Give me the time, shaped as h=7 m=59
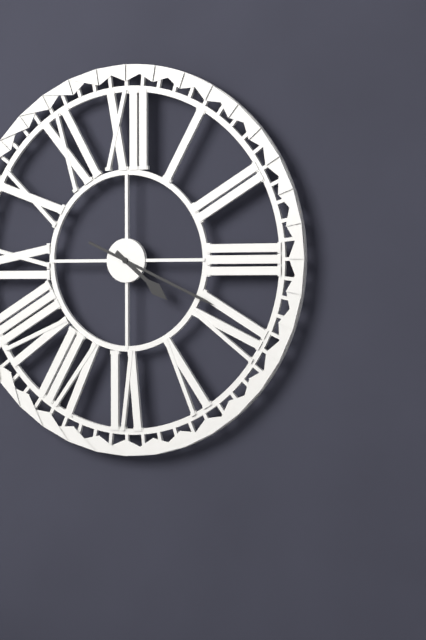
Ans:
h=4 m=19
